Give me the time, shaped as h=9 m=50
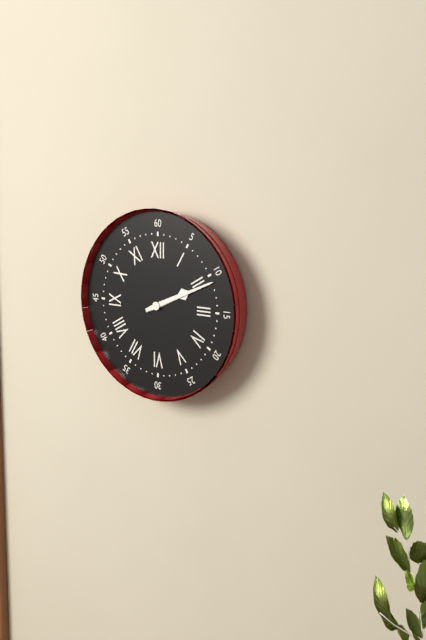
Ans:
h=2 m=11
